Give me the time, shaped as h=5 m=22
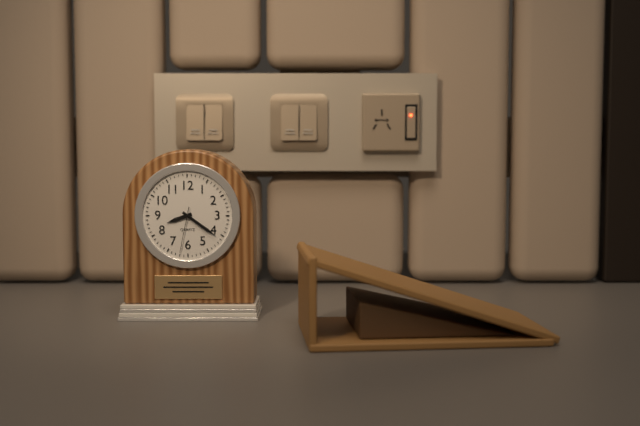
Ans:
h=8 m=21
